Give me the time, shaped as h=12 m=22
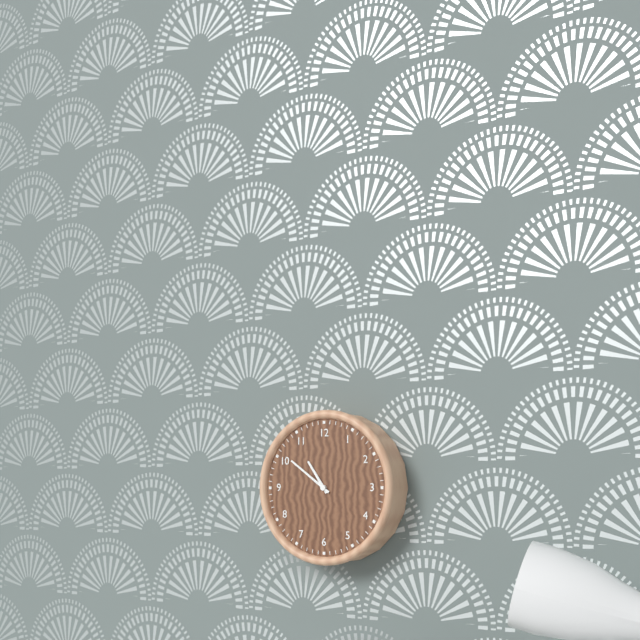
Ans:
h=10 m=51
